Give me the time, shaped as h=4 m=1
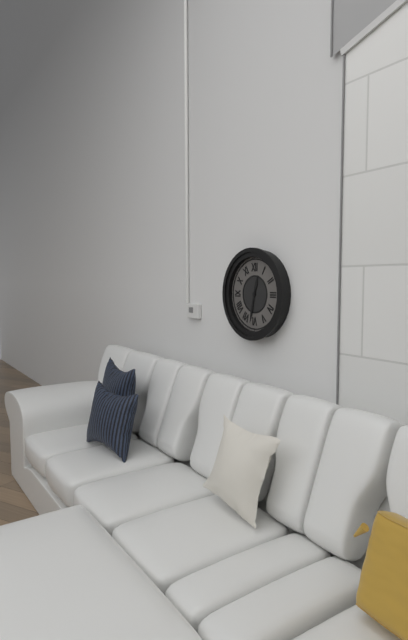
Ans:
h=12 m=32
